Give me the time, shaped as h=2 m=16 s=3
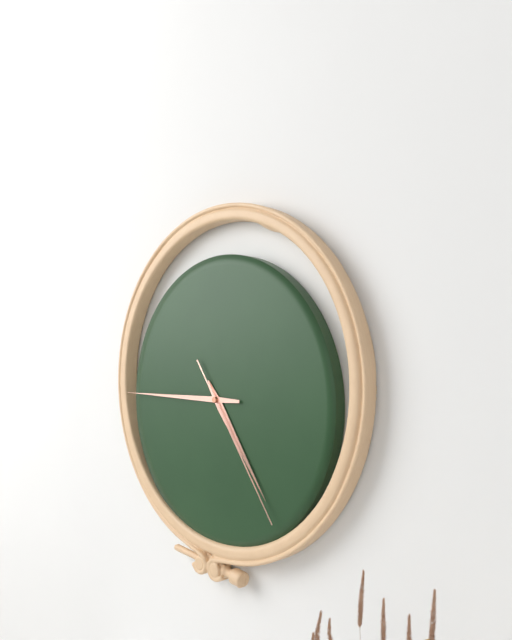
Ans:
h=4 m=45 s=24
